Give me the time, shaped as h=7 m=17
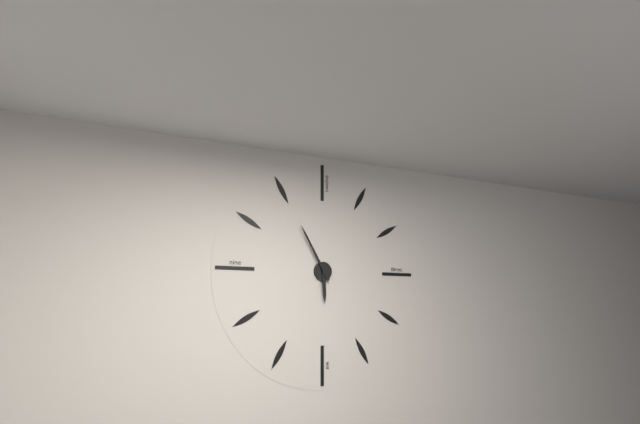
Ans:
h=5 m=55
